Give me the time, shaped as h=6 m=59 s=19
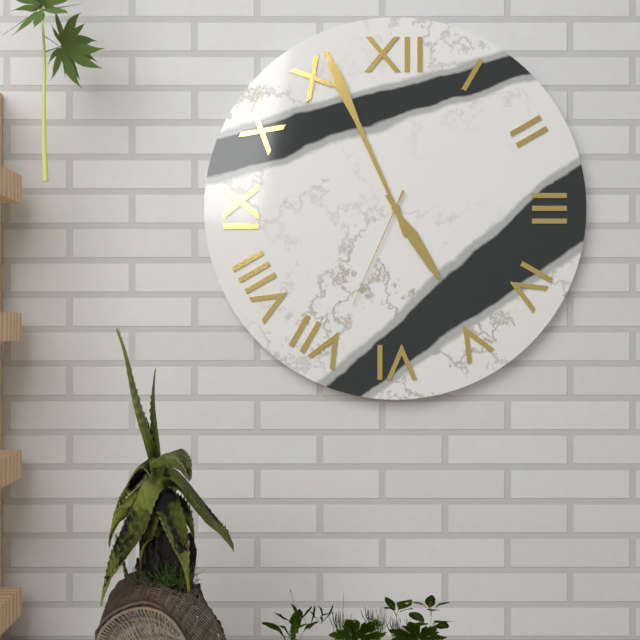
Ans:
h=4 m=56 s=34
